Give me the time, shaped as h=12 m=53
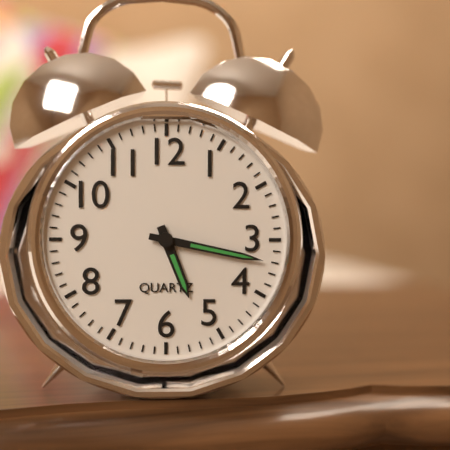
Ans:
h=5 m=17
